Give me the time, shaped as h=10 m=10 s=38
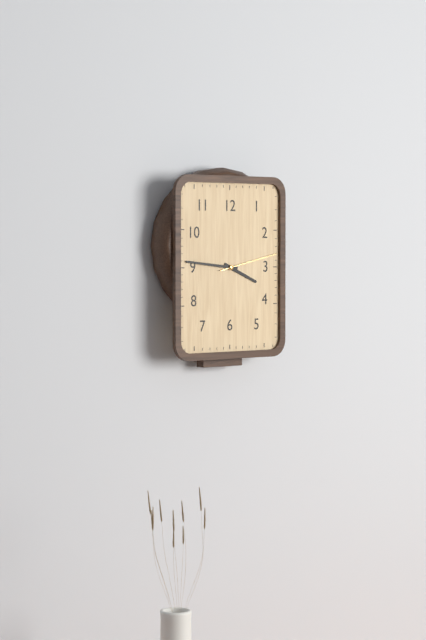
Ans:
h=3 m=46 s=13
